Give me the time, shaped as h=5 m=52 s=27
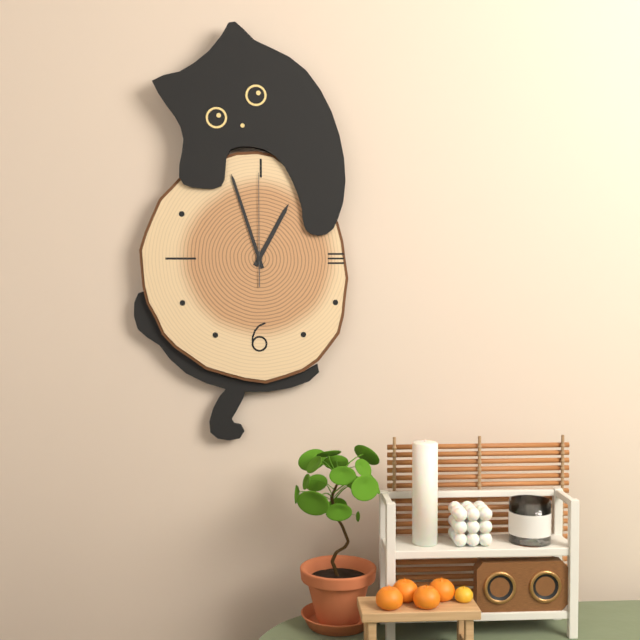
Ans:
h=12 m=57 s=0
